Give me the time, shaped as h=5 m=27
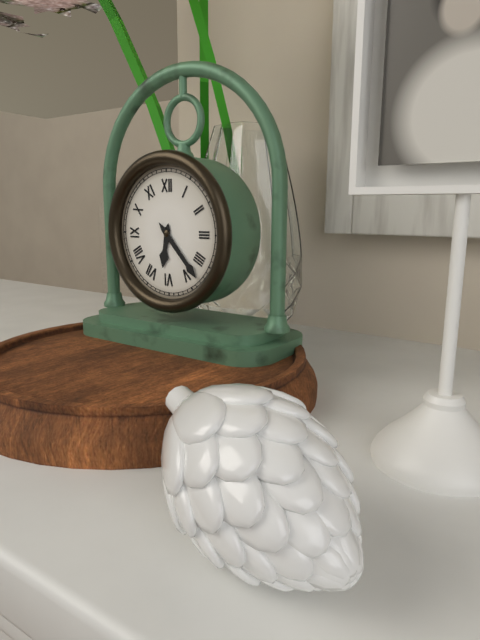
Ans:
h=6 m=23
